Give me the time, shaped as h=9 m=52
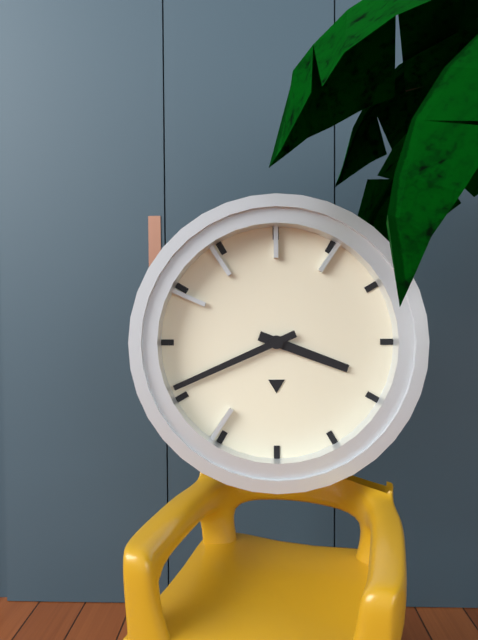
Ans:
h=3 m=41
